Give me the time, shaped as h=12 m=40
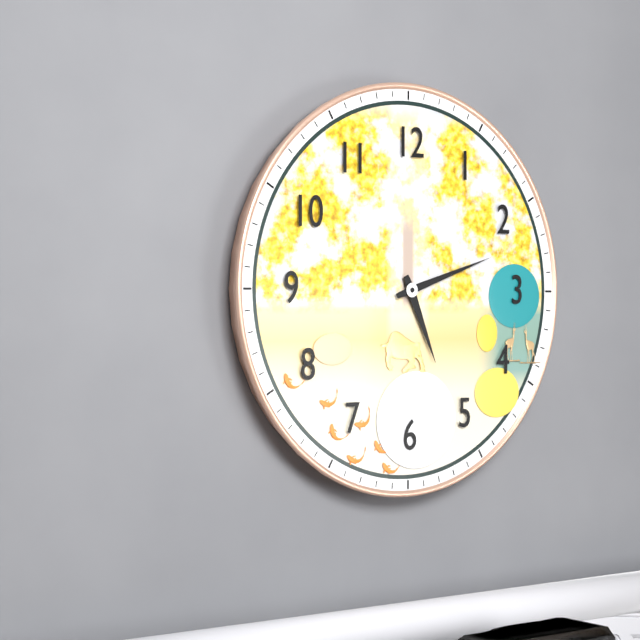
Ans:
h=5 m=12
